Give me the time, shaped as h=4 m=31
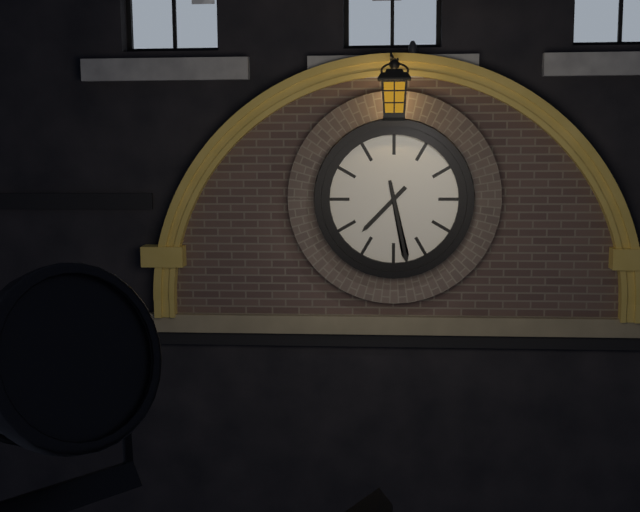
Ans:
h=7 m=28
